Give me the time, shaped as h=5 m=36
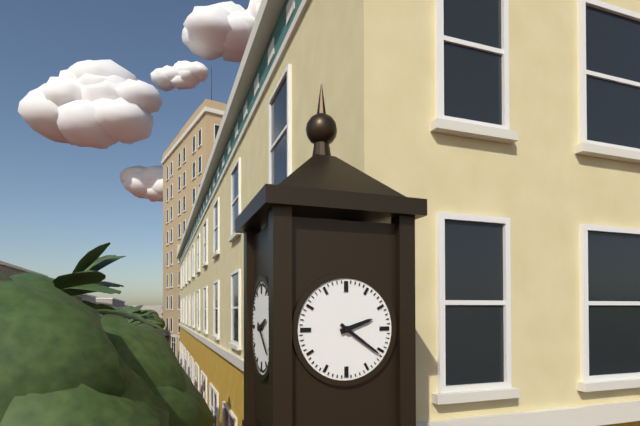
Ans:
h=2 m=21
